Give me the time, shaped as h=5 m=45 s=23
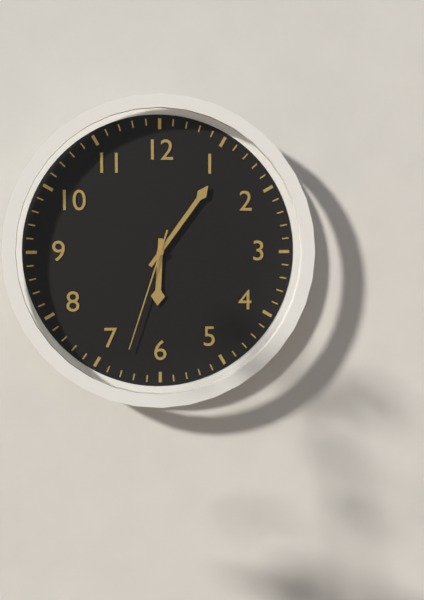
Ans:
h=6 m=6 s=33
